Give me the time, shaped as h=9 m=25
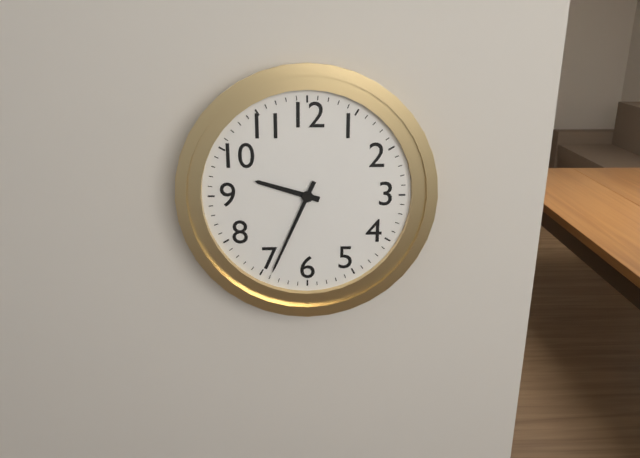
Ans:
h=9 m=34
